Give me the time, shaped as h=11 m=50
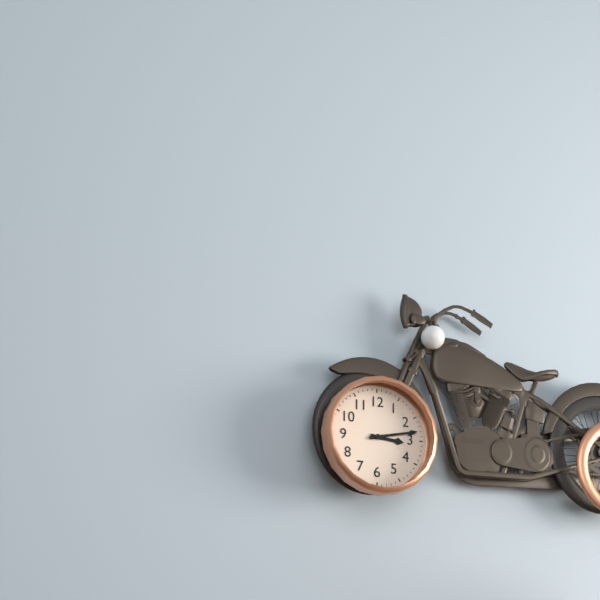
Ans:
h=3 m=13
